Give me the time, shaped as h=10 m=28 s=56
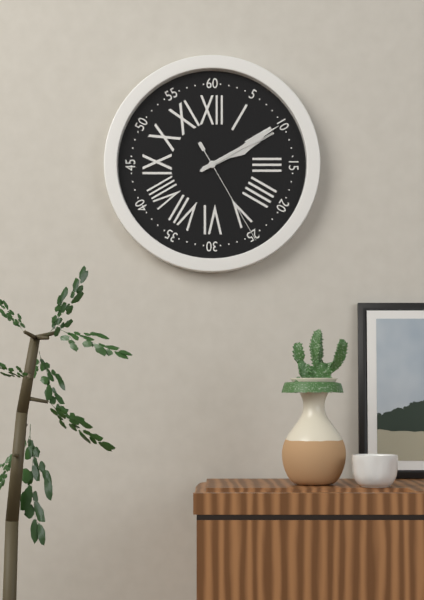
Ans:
h=2 m=10 s=25
